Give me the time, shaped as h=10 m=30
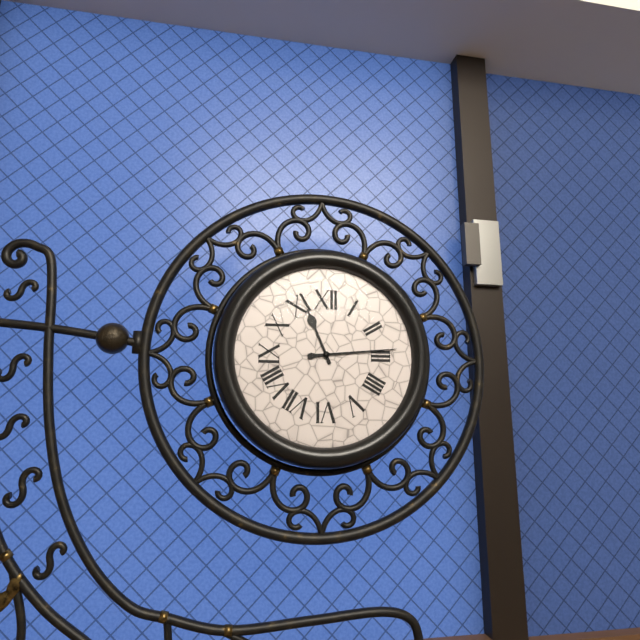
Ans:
h=11 m=14
